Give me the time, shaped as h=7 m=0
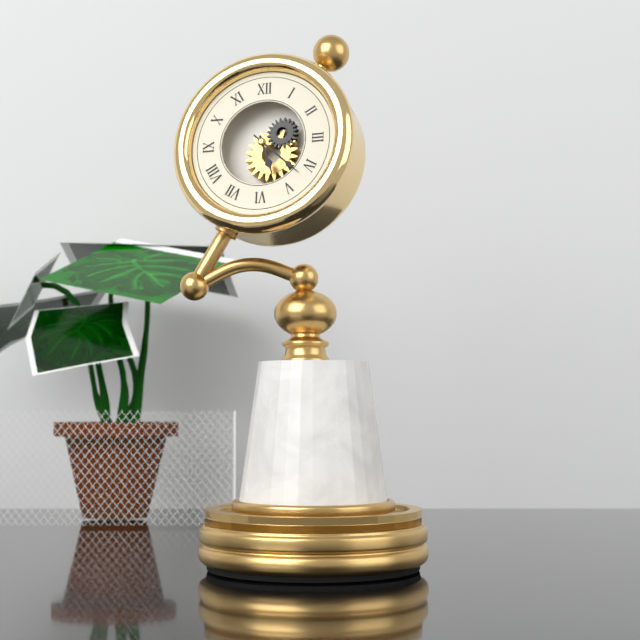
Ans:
h=5 m=22
